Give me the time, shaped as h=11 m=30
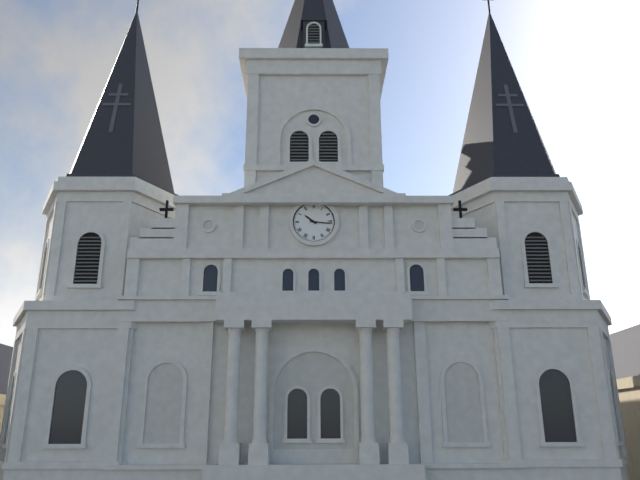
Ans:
h=10 m=16
